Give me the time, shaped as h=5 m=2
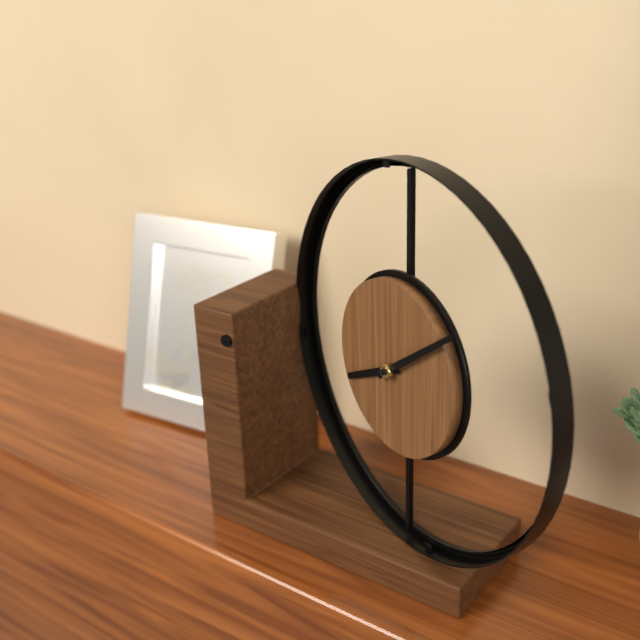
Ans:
h=8 m=9
